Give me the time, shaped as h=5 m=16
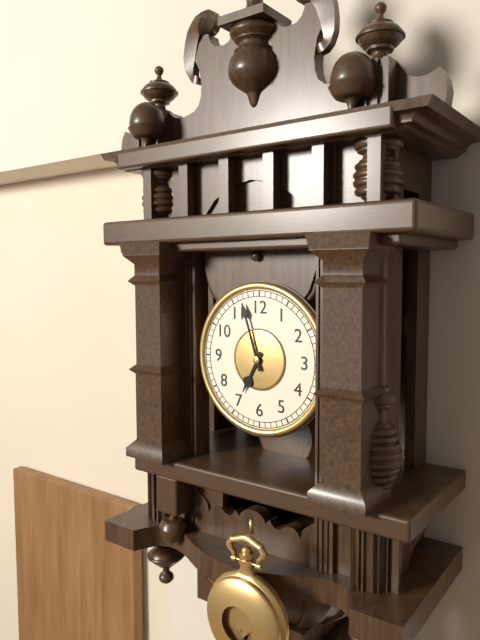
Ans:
h=6 m=57
